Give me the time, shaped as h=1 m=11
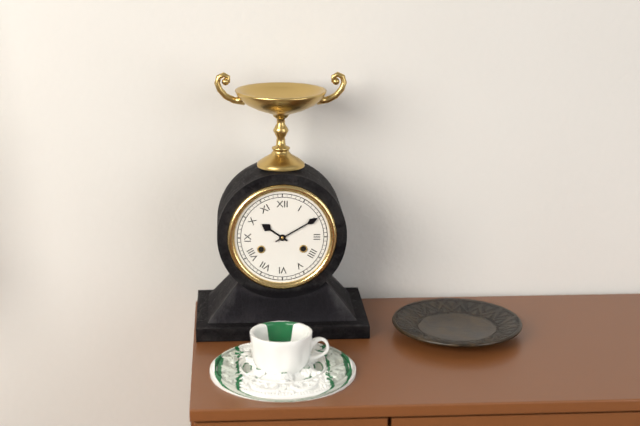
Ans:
h=10 m=10
